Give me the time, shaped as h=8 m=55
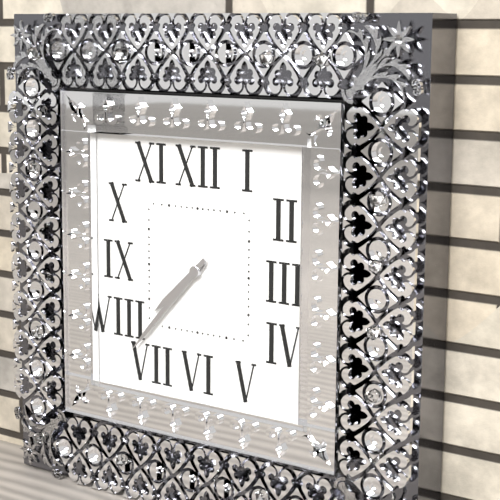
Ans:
h=7 m=37
